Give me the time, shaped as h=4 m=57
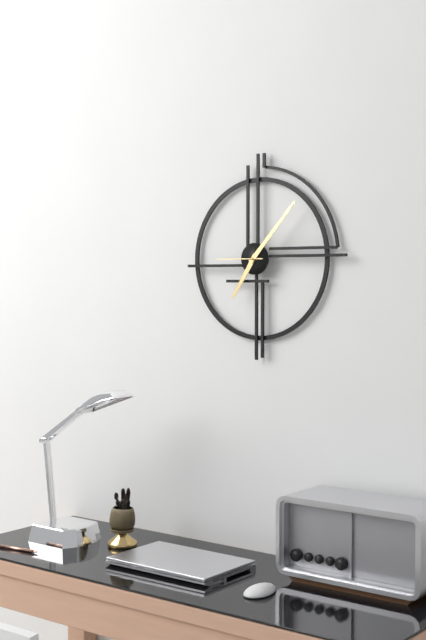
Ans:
h=7 m=7
